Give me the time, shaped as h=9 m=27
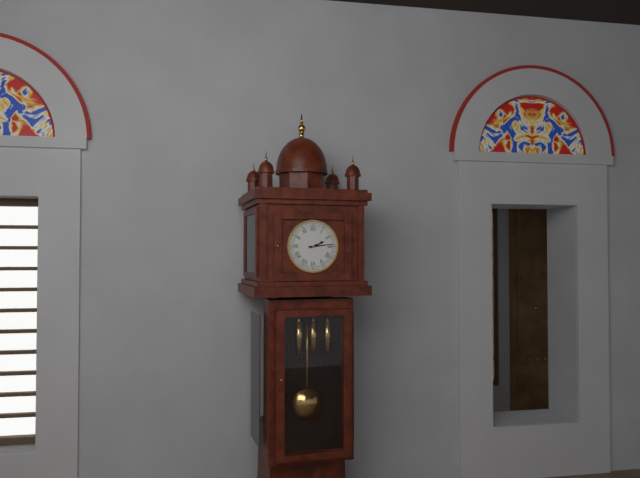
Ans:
h=2 m=14
